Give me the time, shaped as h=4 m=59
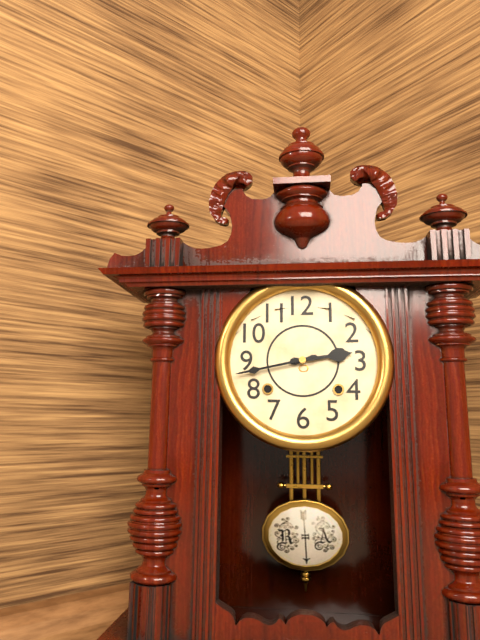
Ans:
h=2 m=43
